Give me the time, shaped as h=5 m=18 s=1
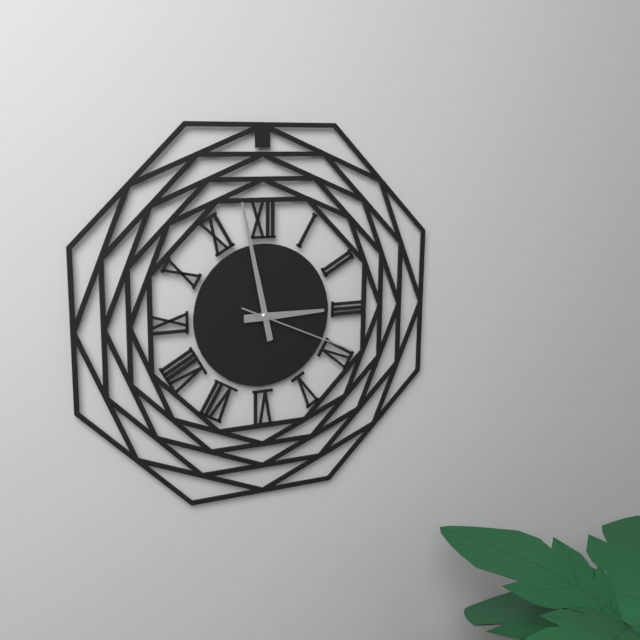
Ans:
h=2 m=58 s=19
